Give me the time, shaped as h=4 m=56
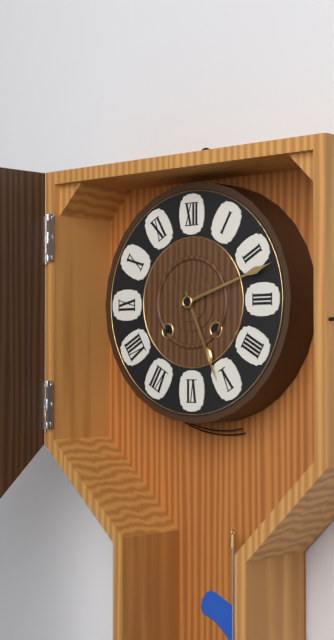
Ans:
h=5 m=12
